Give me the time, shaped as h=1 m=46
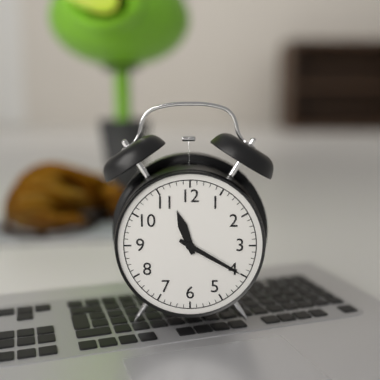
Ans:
h=11 m=20
